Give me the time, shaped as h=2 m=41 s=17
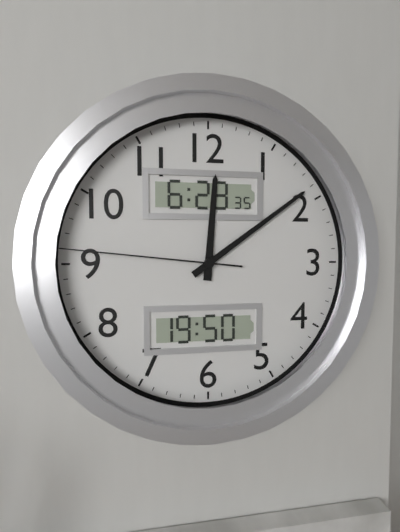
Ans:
h=12 m=9 s=46
